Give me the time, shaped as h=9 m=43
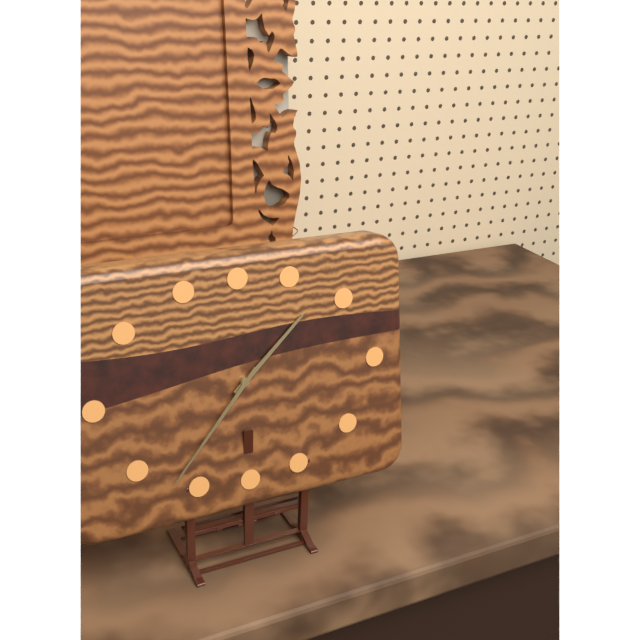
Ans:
h=1 m=37
